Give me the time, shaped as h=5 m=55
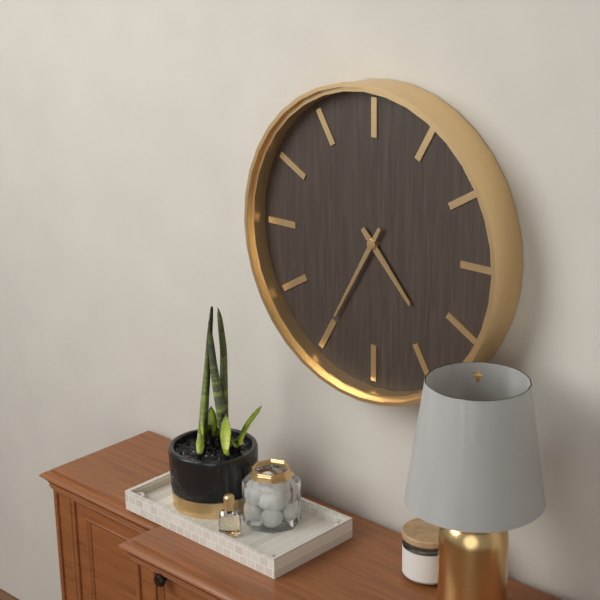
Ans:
h=4 m=35
